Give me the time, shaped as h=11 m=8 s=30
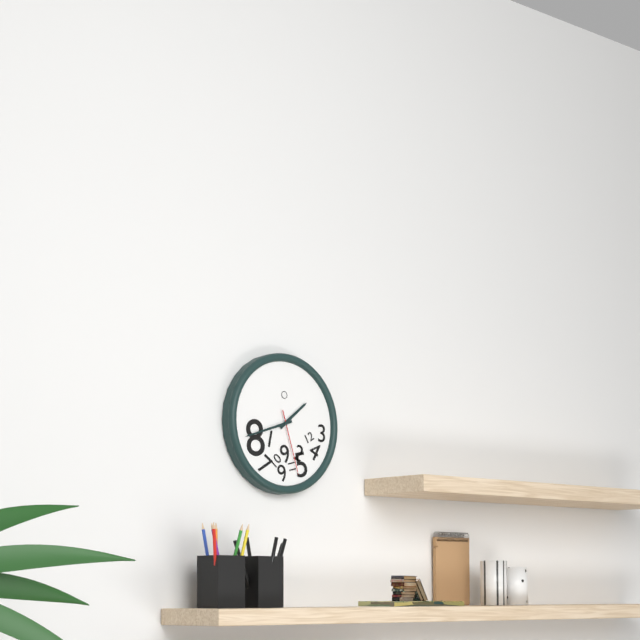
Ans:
h=1 m=42 s=27
